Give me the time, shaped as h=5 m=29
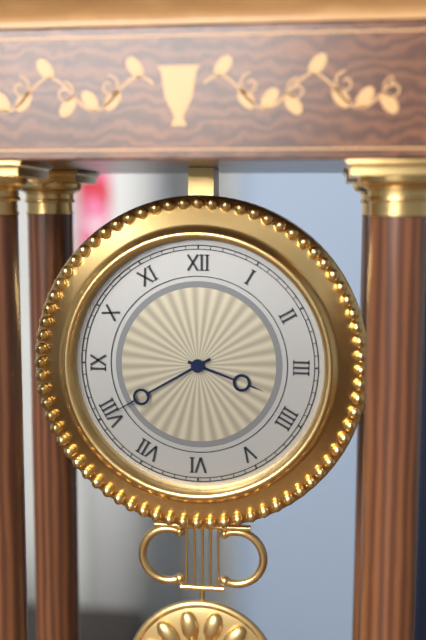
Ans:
h=3 m=40
